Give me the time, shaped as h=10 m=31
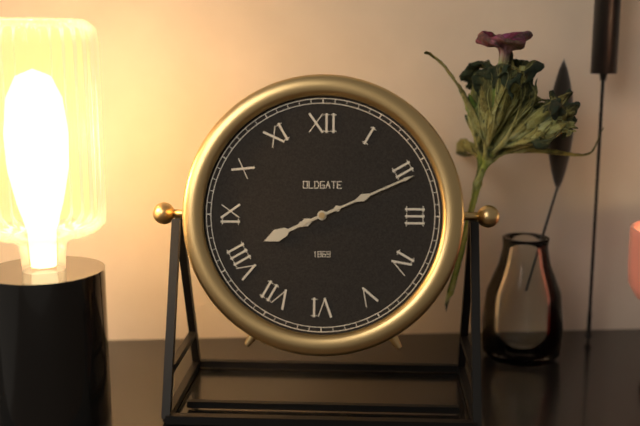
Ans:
h=8 m=11
